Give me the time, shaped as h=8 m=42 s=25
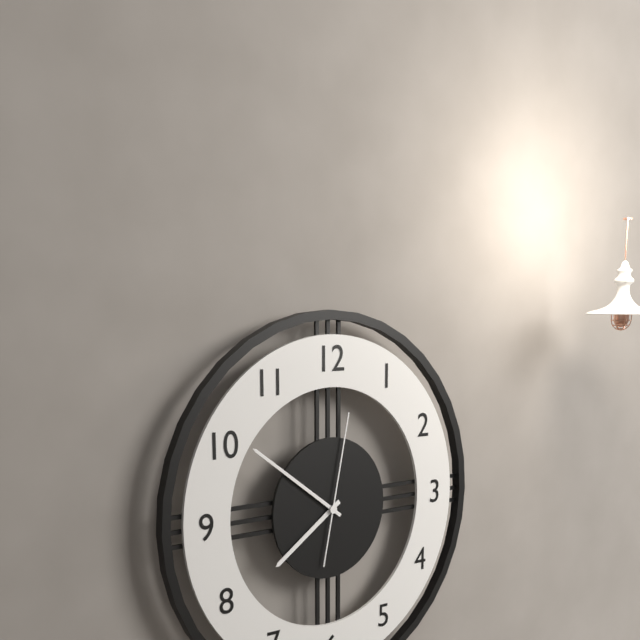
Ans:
h=7 m=51 s=2
